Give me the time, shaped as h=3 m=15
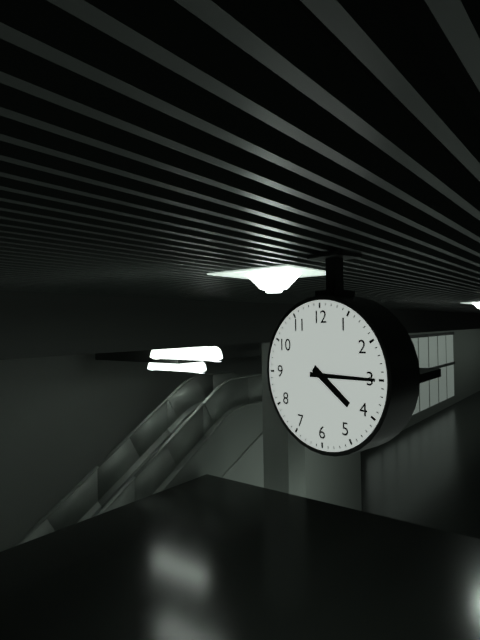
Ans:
h=4 m=15
